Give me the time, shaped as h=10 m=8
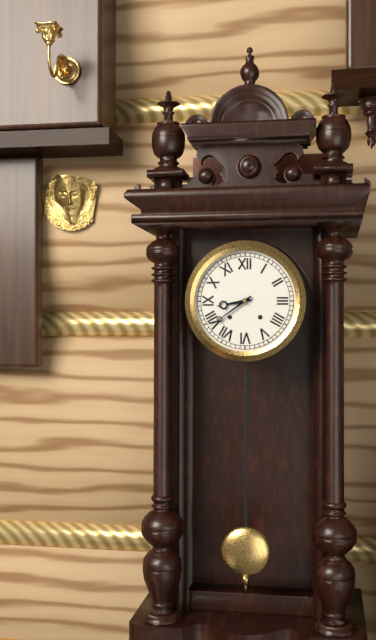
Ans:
h=8 m=39
